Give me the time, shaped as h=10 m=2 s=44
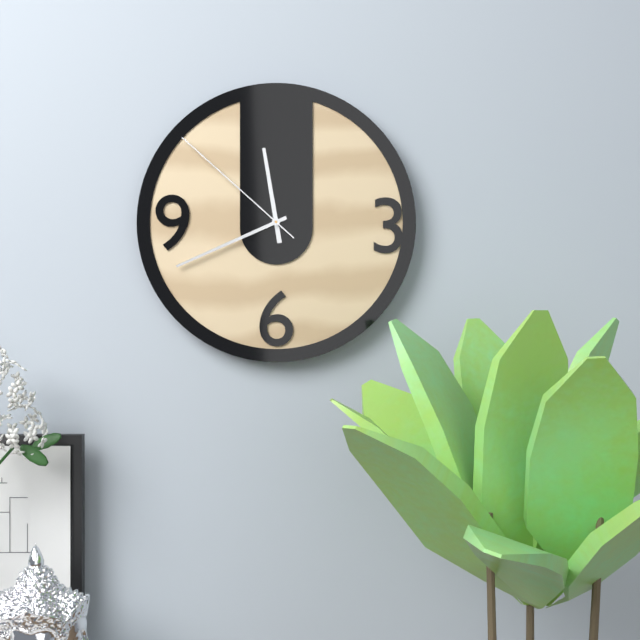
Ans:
h=11 m=41 s=52
